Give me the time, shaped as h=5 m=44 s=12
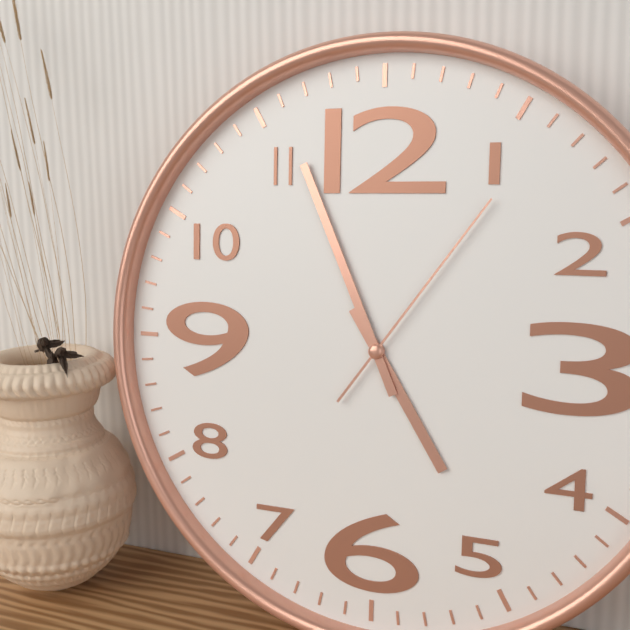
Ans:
h=4 m=56 s=6
